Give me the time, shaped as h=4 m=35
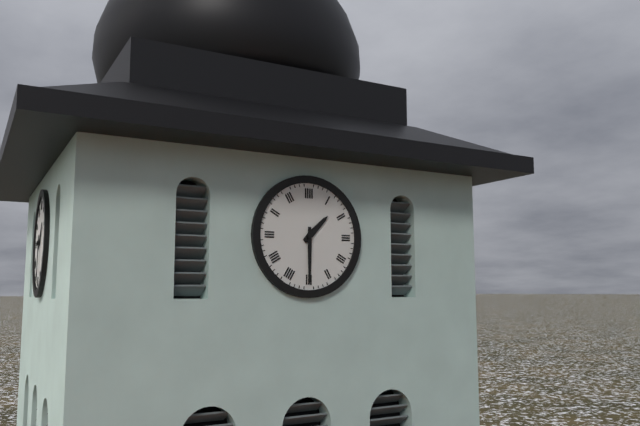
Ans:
h=1 m=30
